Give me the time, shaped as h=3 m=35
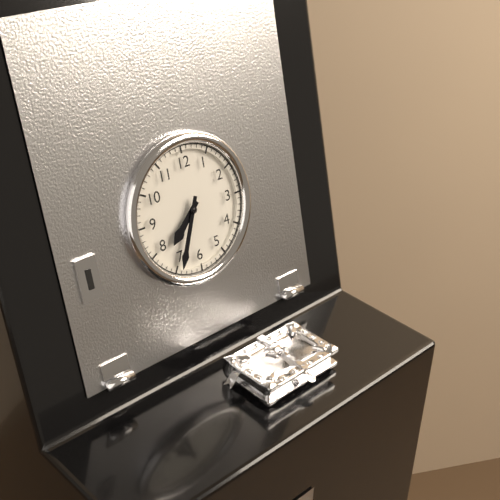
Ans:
h=7 m=34
